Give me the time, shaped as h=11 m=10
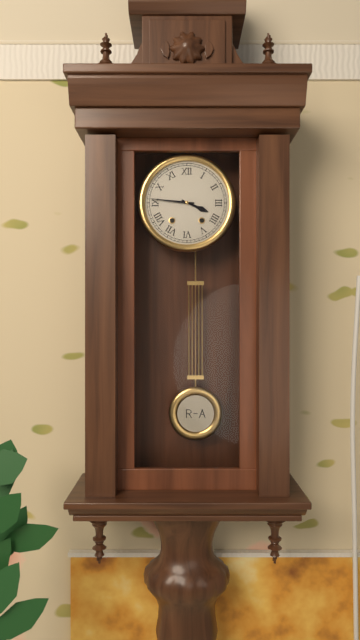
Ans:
h=3 m=46
